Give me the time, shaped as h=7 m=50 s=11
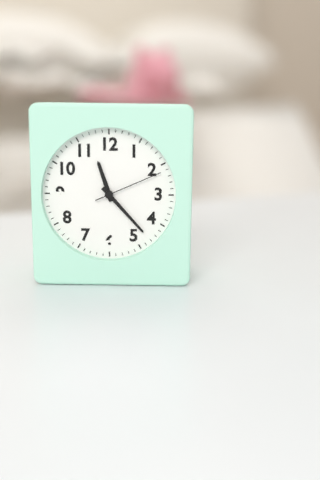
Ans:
h=11 m=23 s=11
